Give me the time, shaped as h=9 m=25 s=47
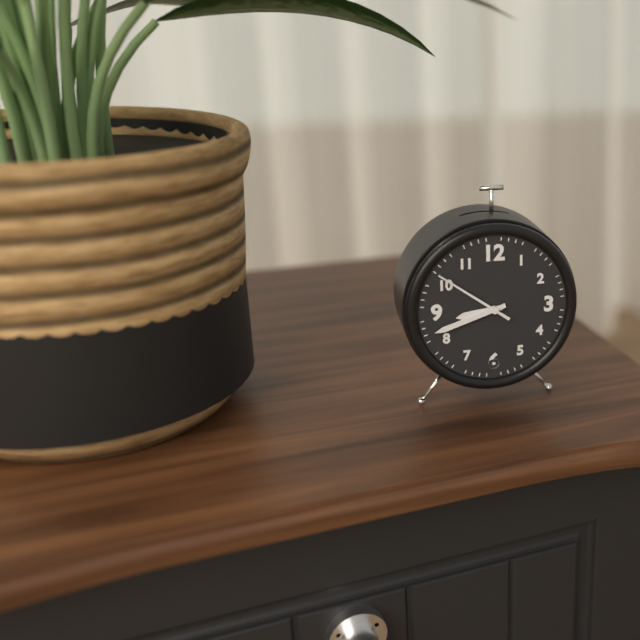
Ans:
h=8 m=42 s=51
